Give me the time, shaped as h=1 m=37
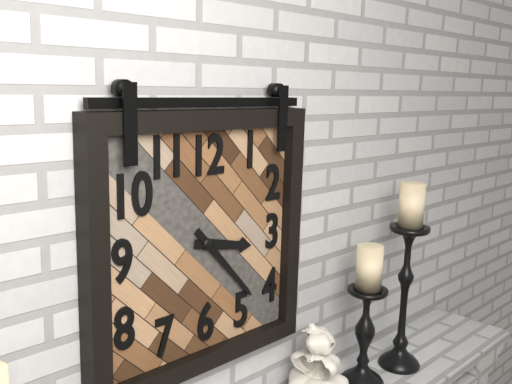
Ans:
h=3 m=23
